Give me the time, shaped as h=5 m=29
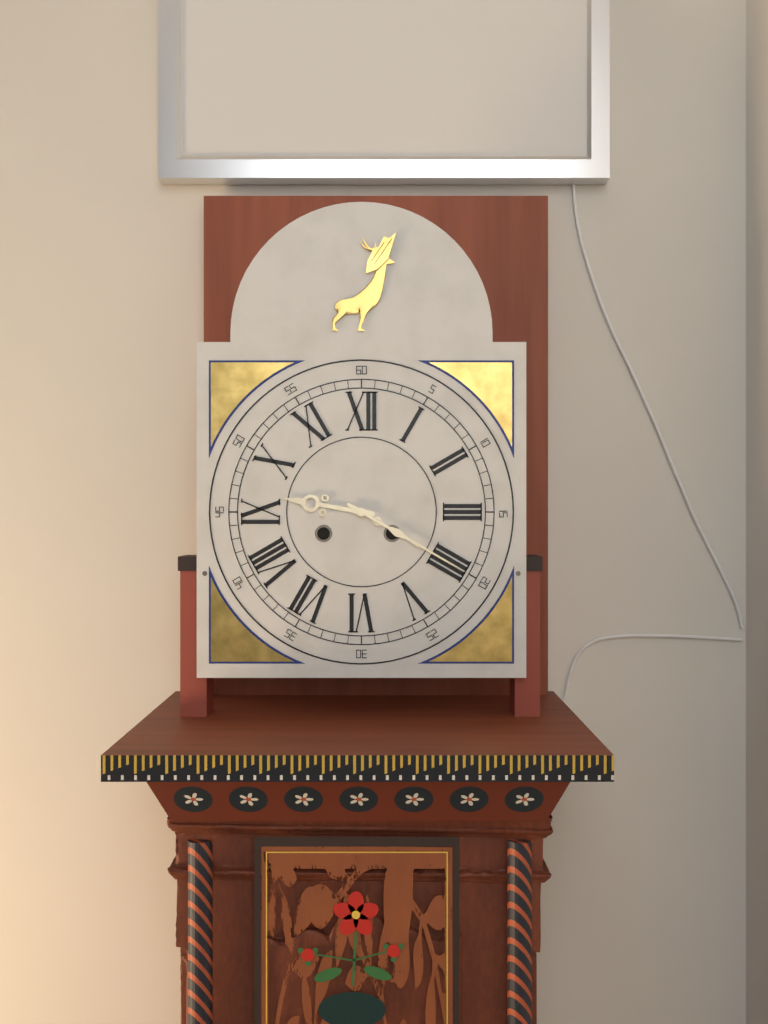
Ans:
h=9 m=20
